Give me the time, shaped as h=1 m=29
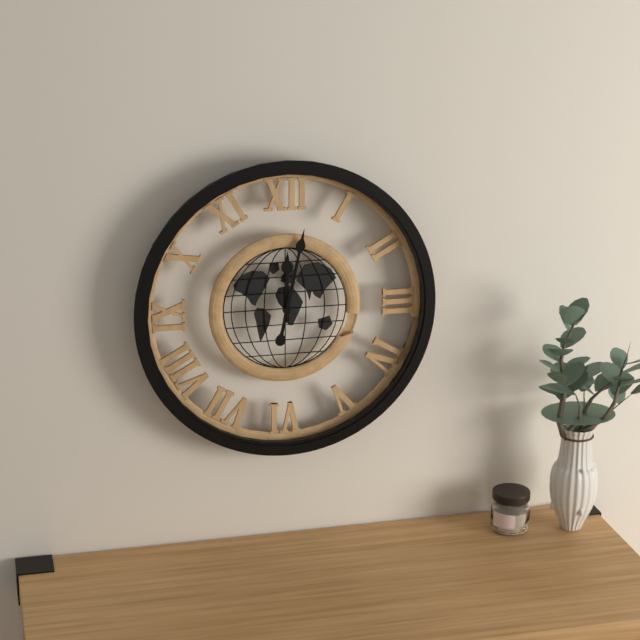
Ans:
h=12 m=2
